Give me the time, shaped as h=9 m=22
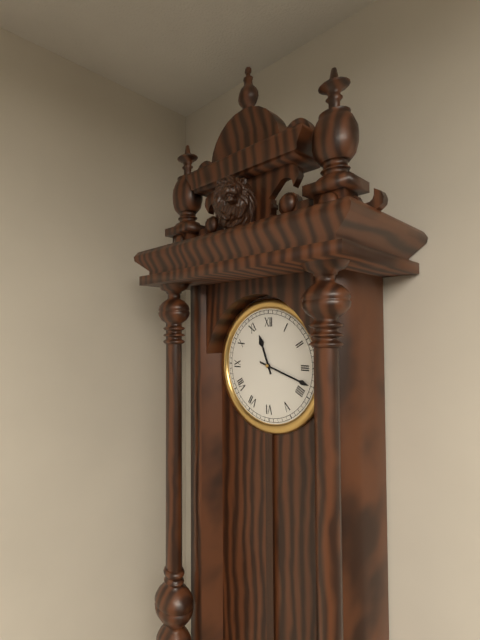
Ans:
h=11 m=18
